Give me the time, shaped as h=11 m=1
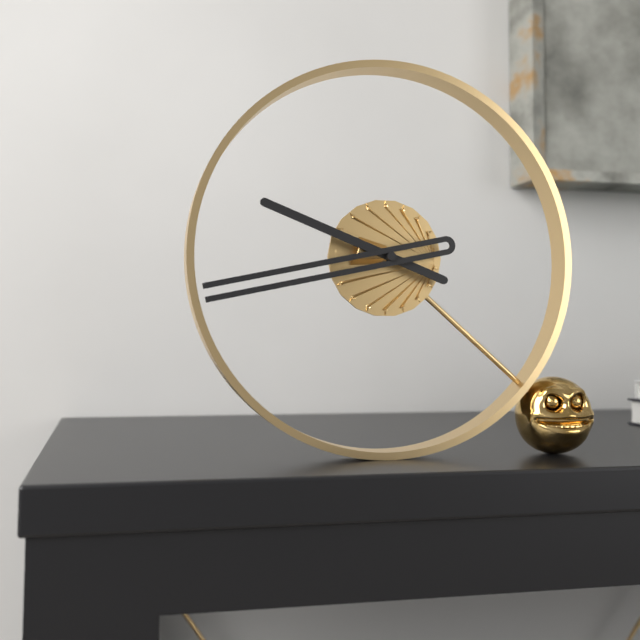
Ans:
h=9 m=43
